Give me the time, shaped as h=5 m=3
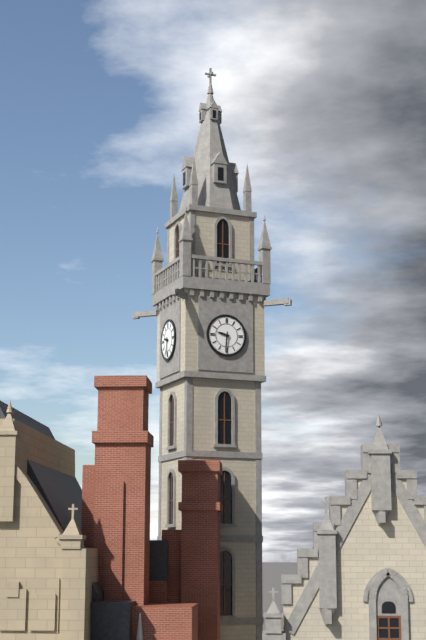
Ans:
h=9 m=31
